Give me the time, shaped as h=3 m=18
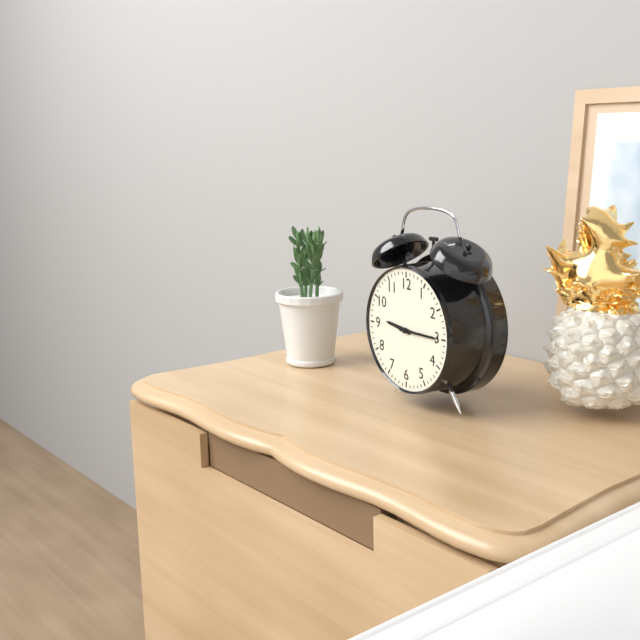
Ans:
h=9 m=15
